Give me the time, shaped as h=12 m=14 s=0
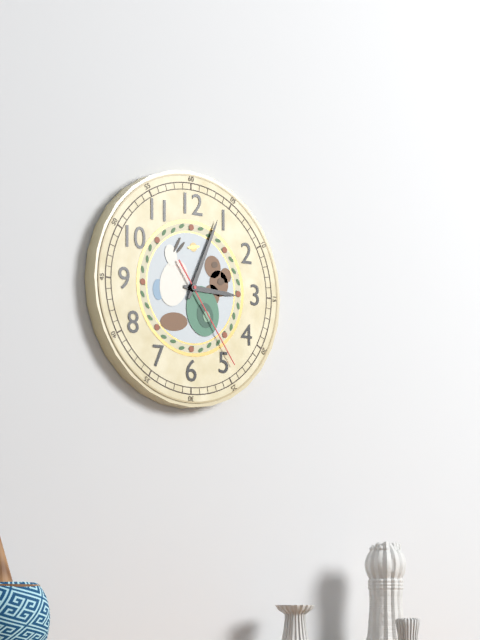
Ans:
h=3 m=4 s=24
